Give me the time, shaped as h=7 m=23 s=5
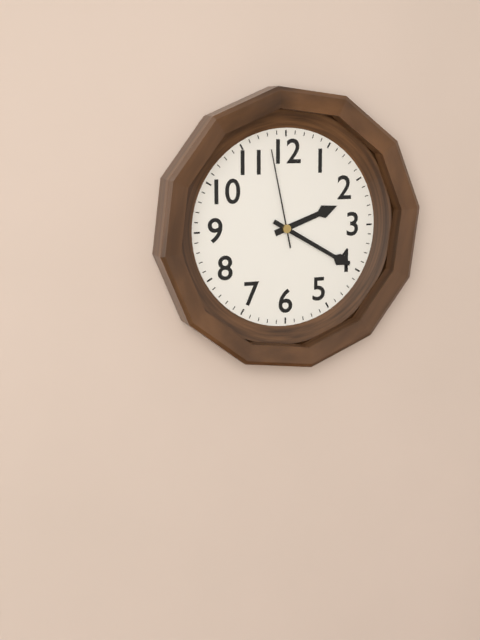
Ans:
h=2 m=20 s=58
